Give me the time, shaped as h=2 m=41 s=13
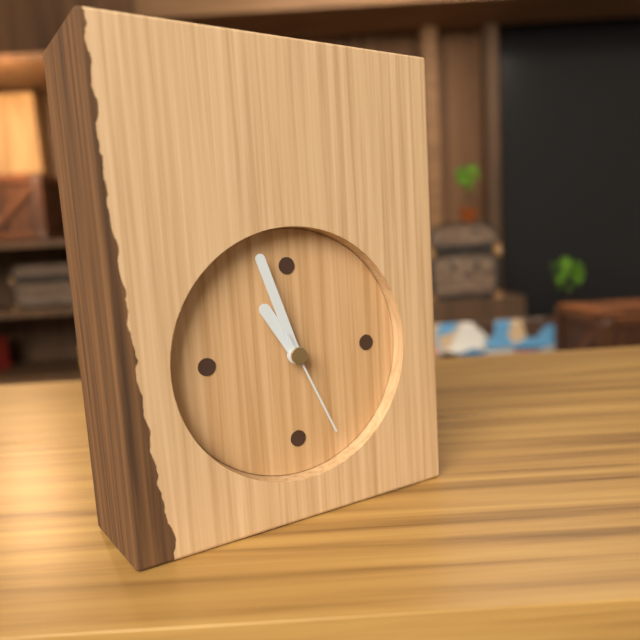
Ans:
h=10 m=57 s=26
